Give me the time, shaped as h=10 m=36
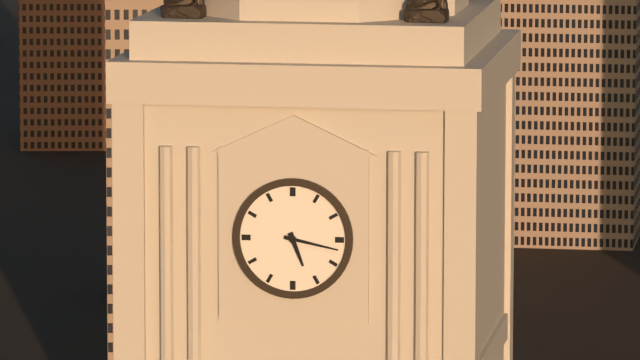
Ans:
h=5 m=17
